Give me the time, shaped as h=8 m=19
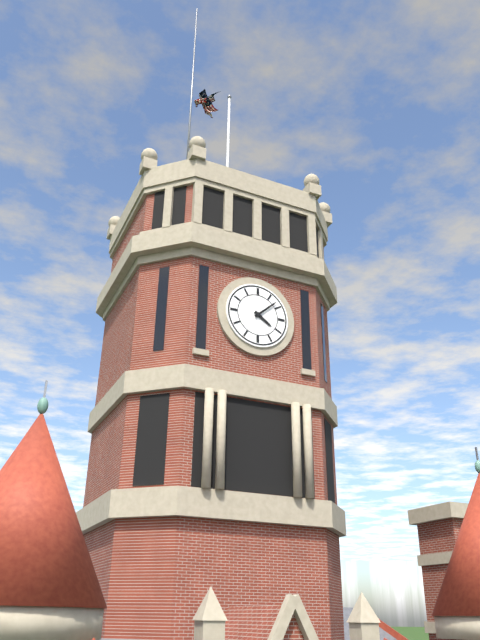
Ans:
h=4 m=8
